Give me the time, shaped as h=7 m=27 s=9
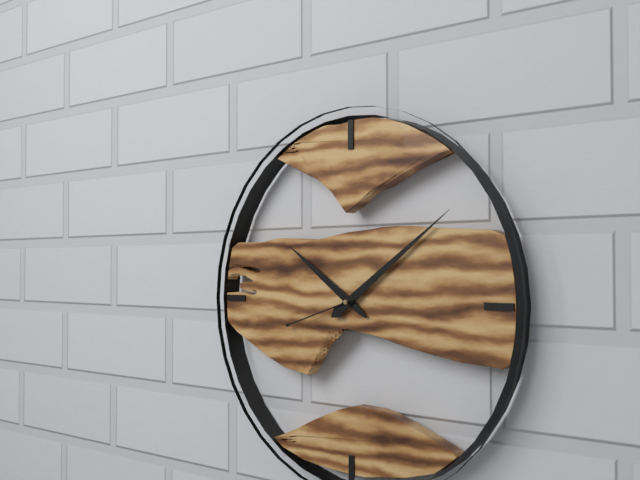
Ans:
h=10 m=9 s=42
